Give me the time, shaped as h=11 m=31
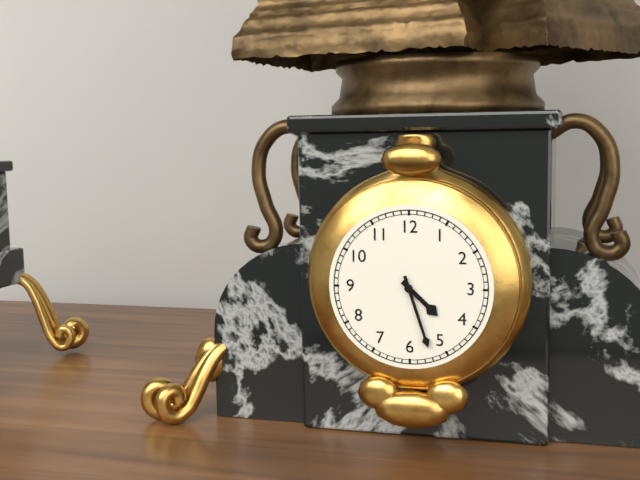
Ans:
h=4 m=27
